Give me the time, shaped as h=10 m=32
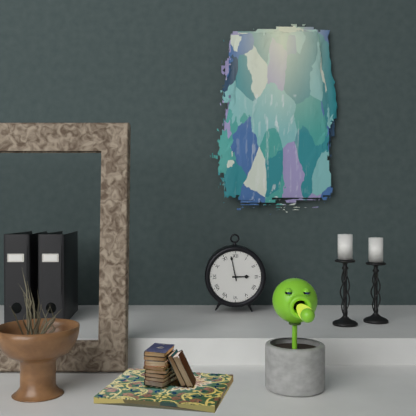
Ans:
h=2 m=58
